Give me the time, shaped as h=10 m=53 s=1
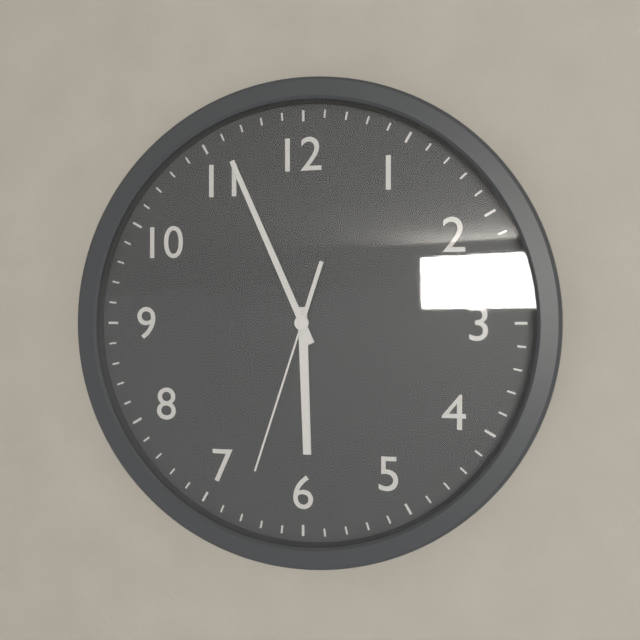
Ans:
h=5 m=56 s=33
